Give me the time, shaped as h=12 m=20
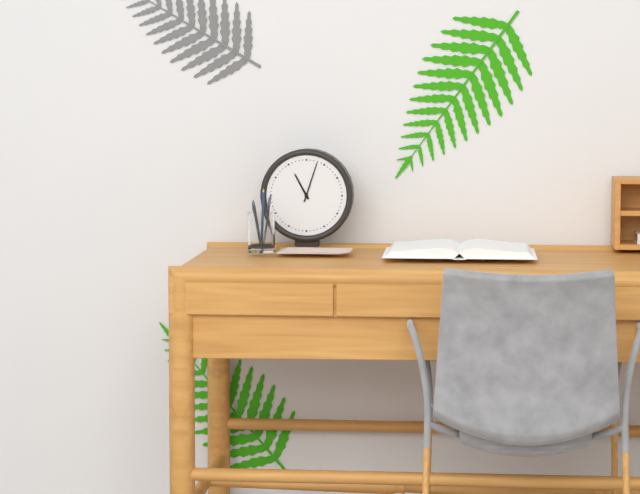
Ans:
h=11 m=3
